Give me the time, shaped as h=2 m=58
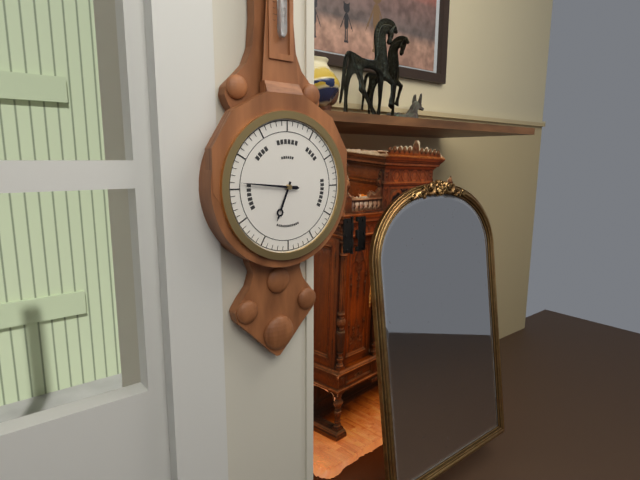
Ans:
h=6 m=46
